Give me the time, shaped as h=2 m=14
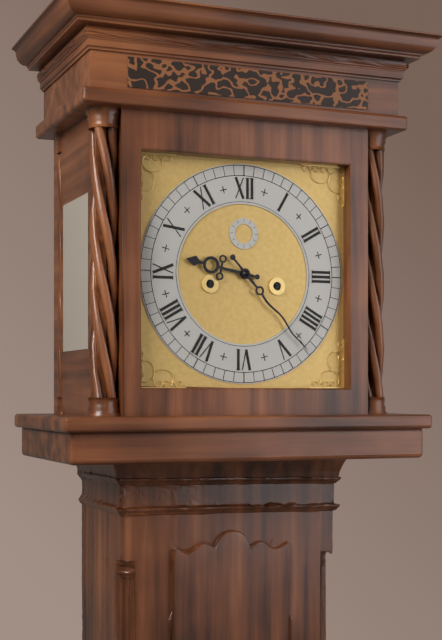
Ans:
h=9 m=23
